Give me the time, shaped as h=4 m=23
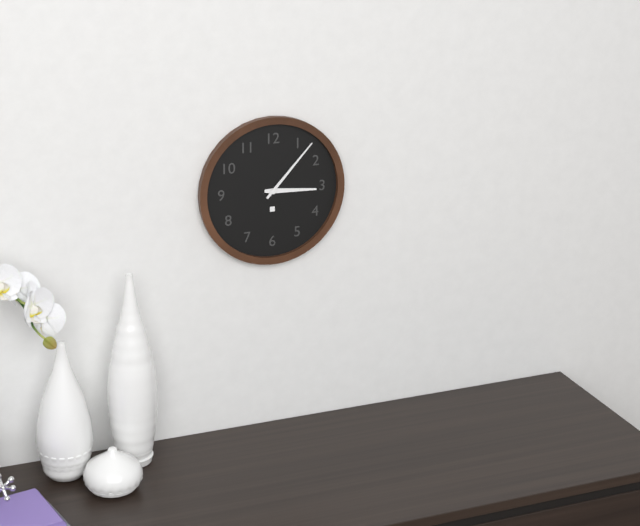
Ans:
h=3 m=7
